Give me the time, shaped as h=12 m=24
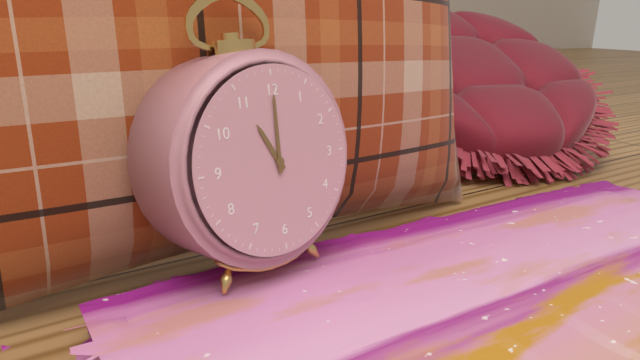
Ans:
h=11 m=0
